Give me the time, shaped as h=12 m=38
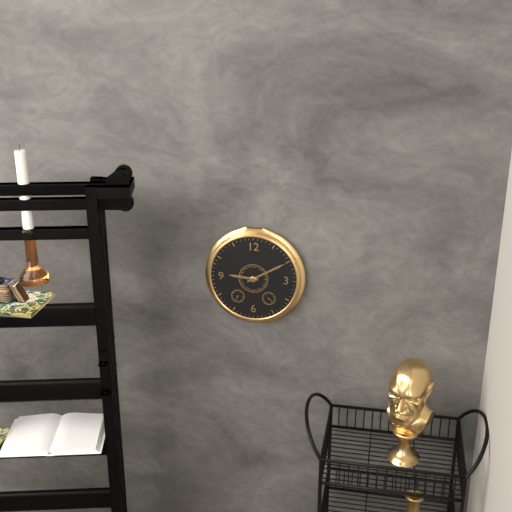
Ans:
h=9 m=10
